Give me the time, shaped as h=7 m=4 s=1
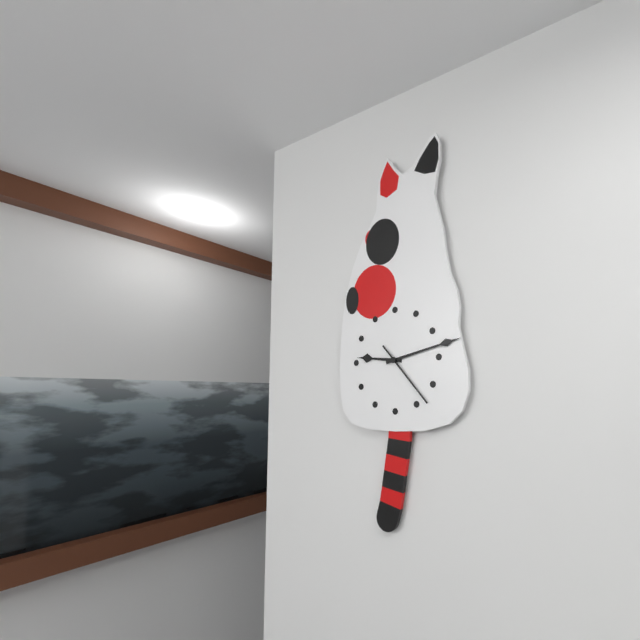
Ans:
h=9 m=13 s=23
